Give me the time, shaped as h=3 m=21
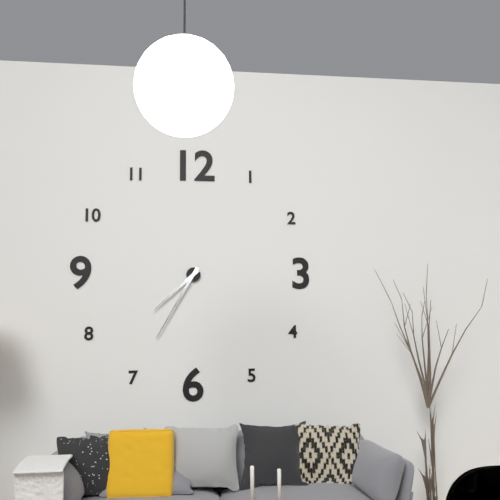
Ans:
h=7 m=35
